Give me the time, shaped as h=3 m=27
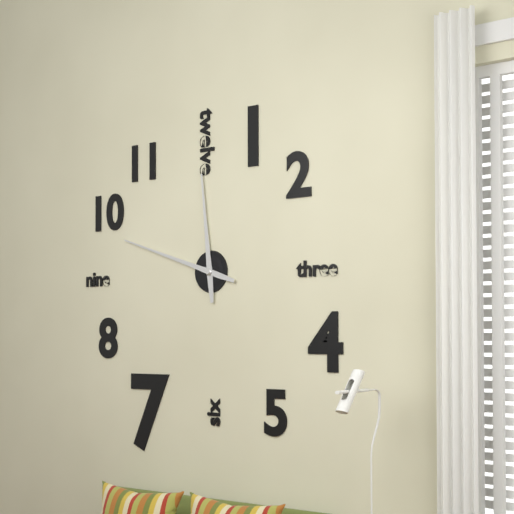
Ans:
h=11 m=48
